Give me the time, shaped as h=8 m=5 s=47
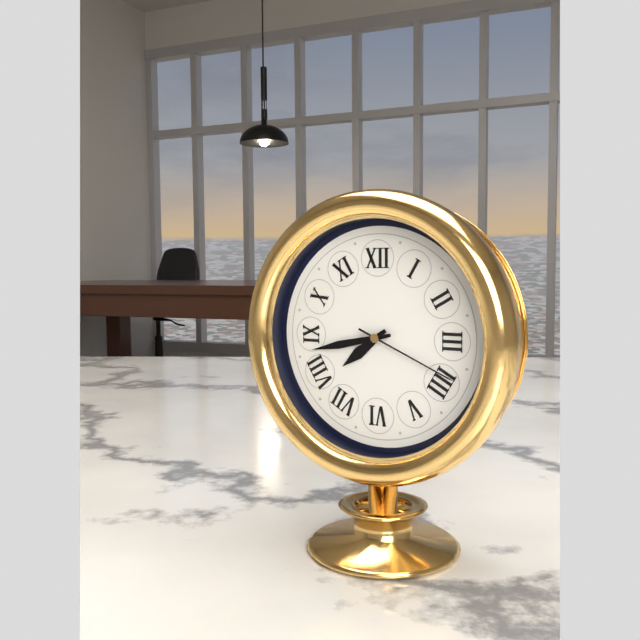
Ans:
h=7 m=43 s=19
